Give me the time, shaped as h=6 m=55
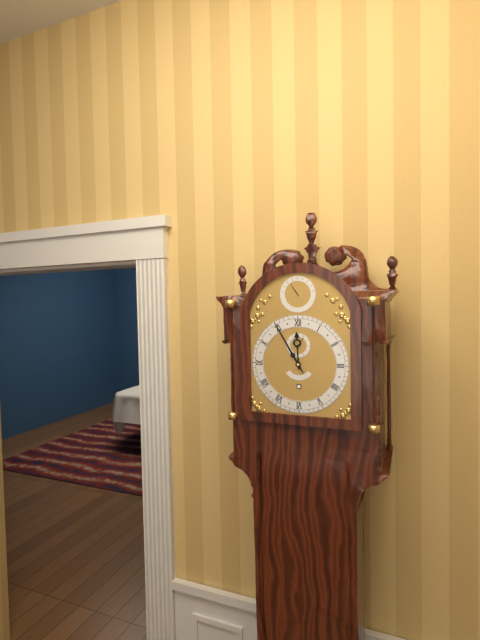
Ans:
h=11 m=55
